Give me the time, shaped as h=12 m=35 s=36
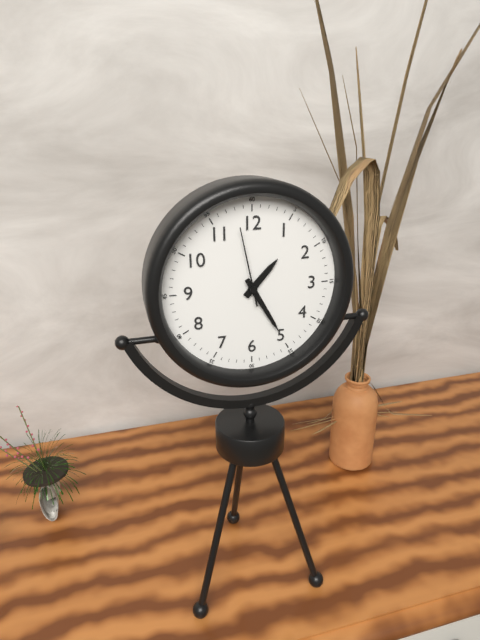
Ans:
h=1 m=25 s=58
